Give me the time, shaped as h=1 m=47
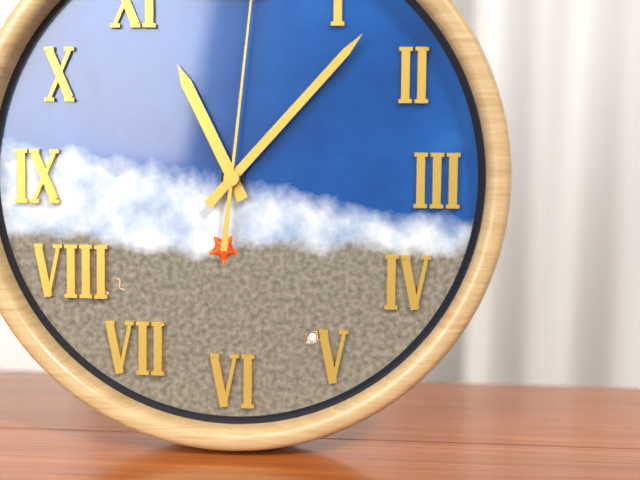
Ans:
h=11 m=7
